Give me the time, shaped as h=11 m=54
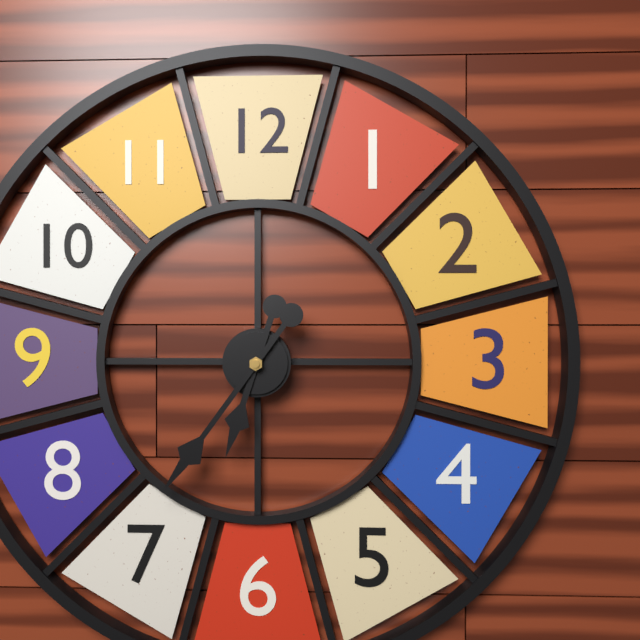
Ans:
h=6 m=36
